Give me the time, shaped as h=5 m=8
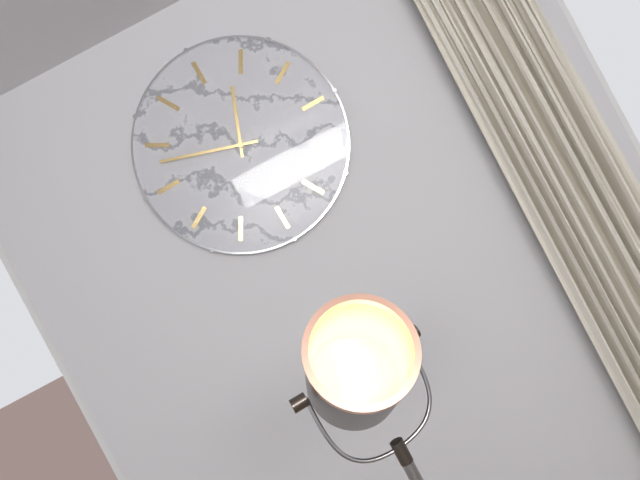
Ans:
h=11 m=43
